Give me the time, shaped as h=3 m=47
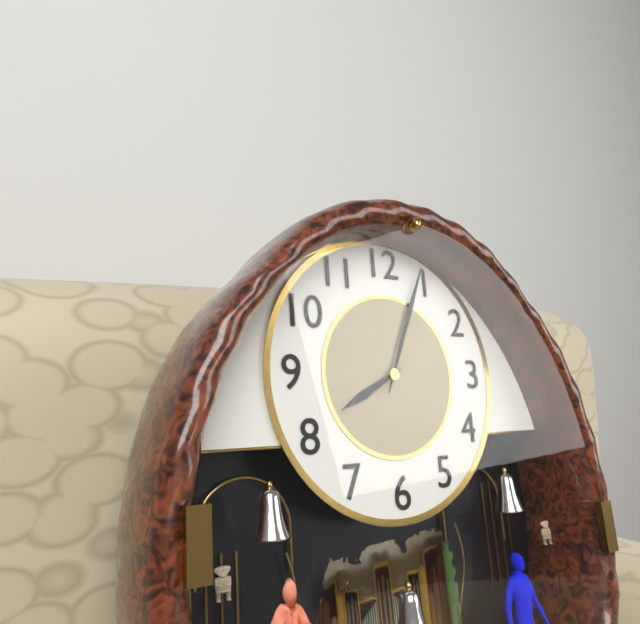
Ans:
h=8 m=4
